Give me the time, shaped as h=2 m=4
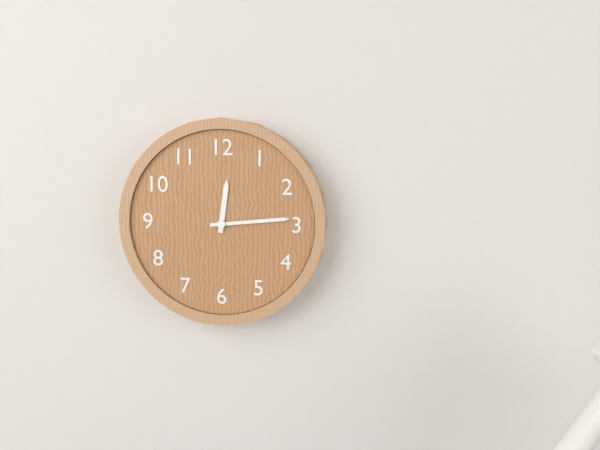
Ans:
h=12 m=14
